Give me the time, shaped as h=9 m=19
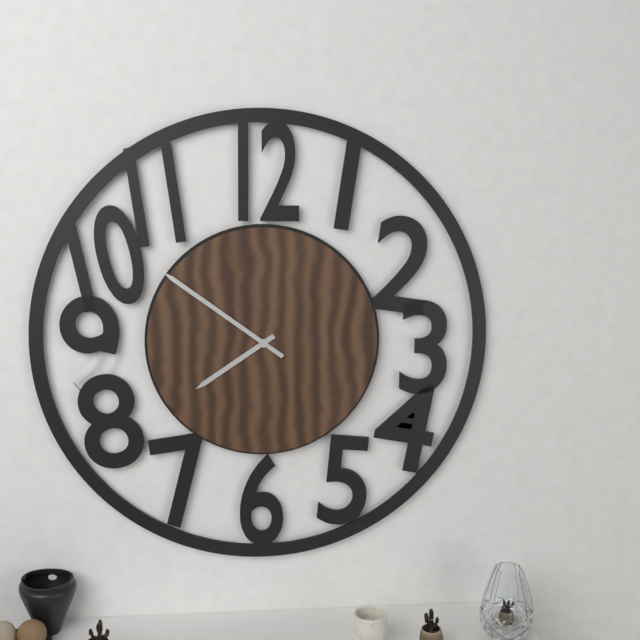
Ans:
h=7 m=51
